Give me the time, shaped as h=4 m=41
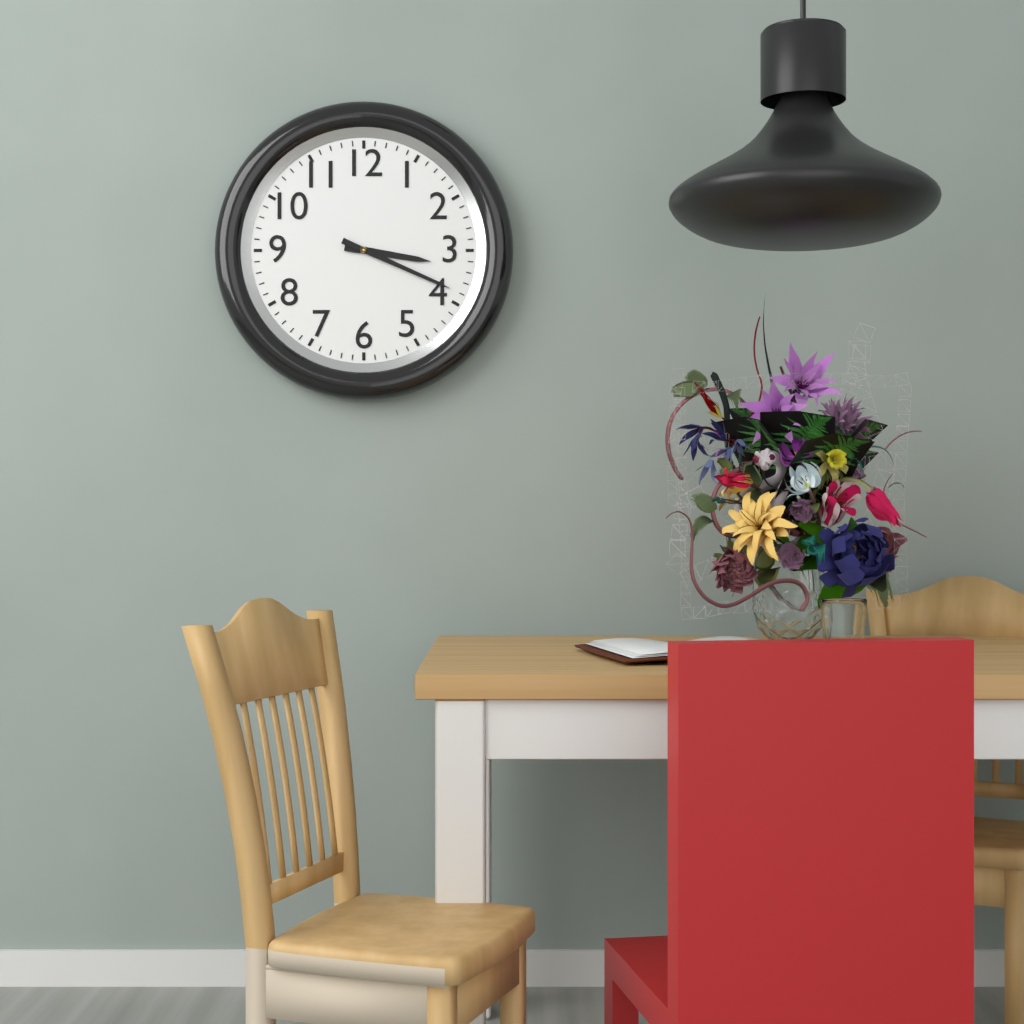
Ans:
h=3 m=19
